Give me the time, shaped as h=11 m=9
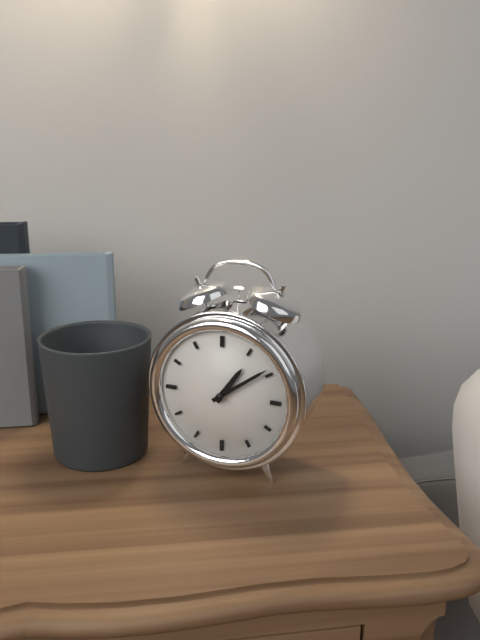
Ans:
h=1 m=9
